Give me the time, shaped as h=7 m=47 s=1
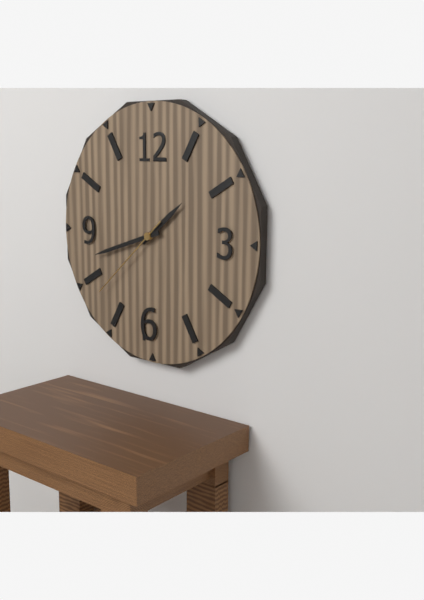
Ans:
h=1 m=42 s=38
